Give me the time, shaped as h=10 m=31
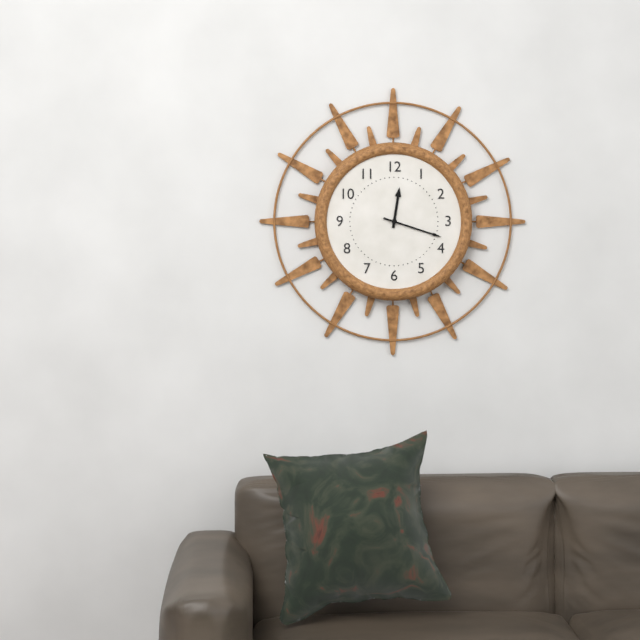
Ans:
h=12 m=18
